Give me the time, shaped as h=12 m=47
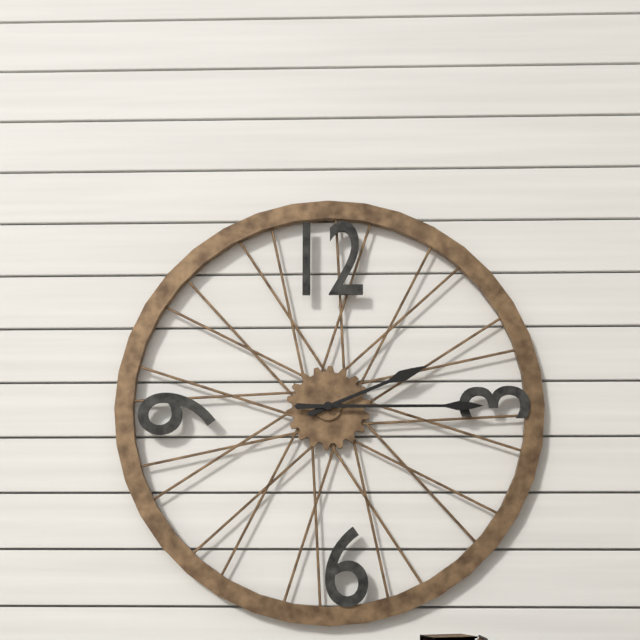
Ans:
h=2 m=15
